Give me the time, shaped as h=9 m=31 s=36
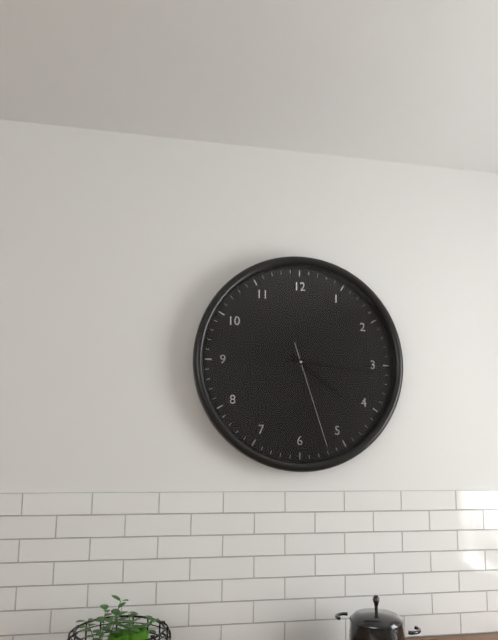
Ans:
h=4 m=16 s=27
